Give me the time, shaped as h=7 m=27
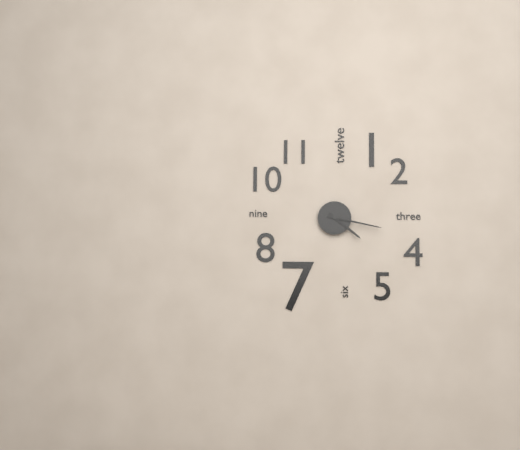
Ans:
h=4 m=17
